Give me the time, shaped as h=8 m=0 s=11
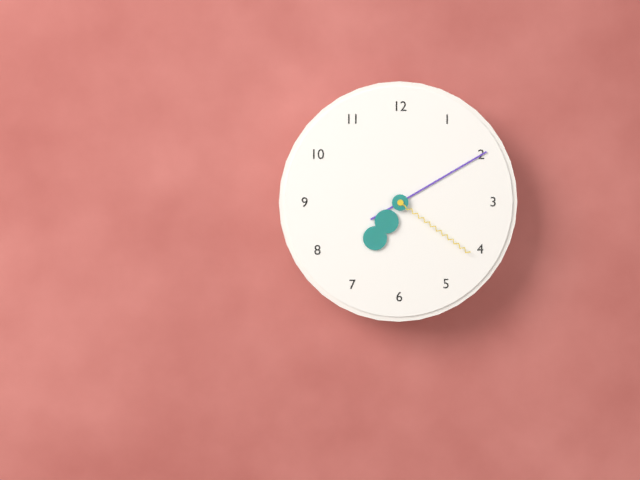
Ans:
h=7 m=10 s=21
